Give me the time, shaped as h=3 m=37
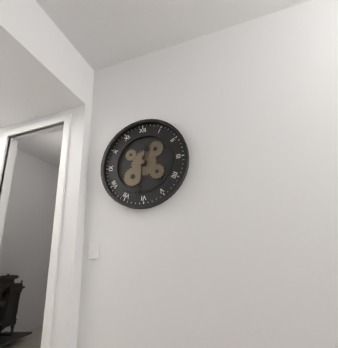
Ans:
h=12 m=31
